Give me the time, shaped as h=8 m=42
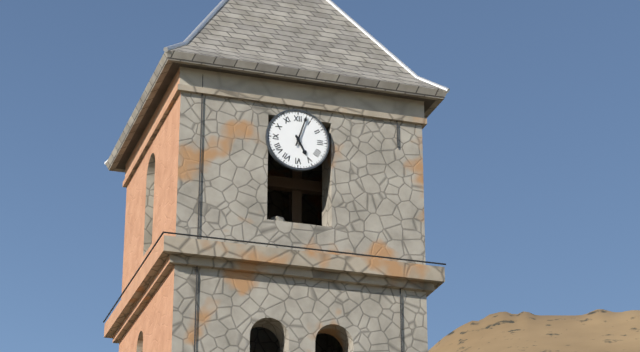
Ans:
h=5 m=3
